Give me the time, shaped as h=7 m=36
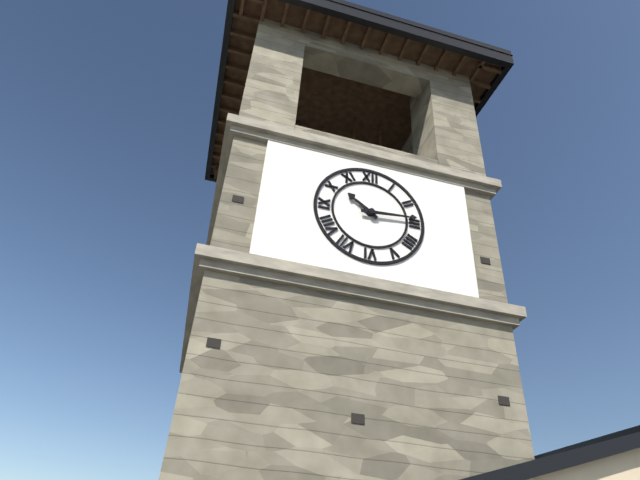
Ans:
h=10 m=14
